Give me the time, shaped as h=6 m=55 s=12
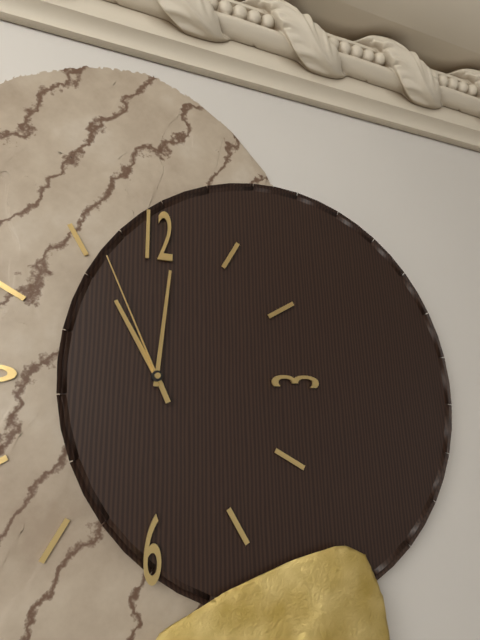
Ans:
h=11 m=1 s=56
